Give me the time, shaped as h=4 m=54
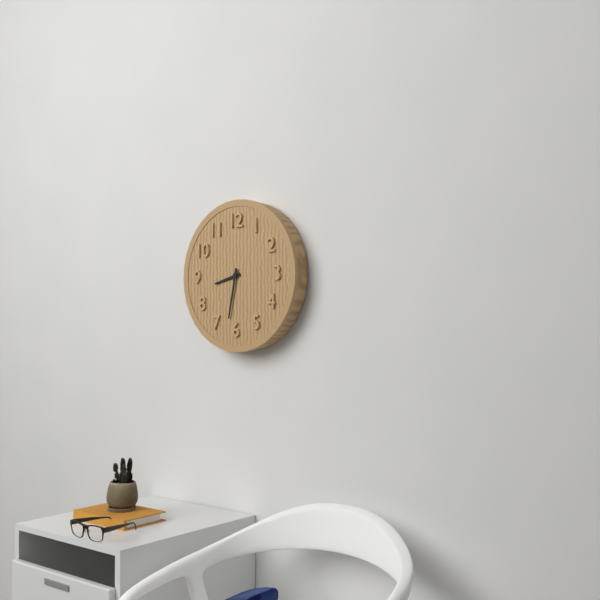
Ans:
h=8 m=32
